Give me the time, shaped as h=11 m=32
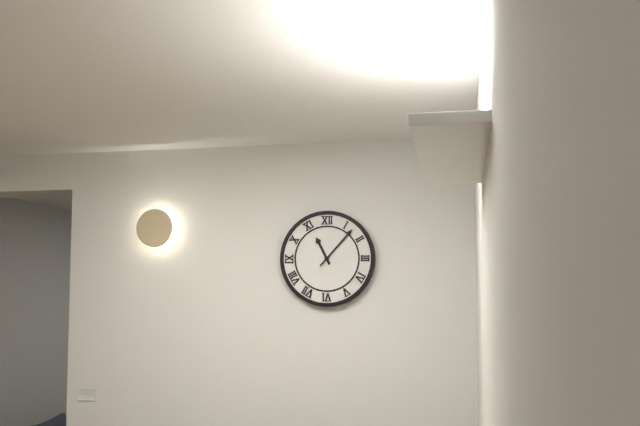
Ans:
h=11 m=7
